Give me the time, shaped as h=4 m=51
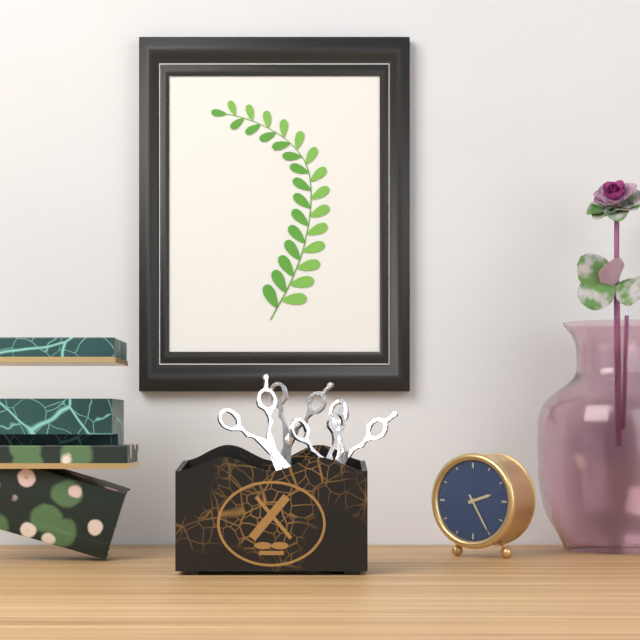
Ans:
h=2 m=25
